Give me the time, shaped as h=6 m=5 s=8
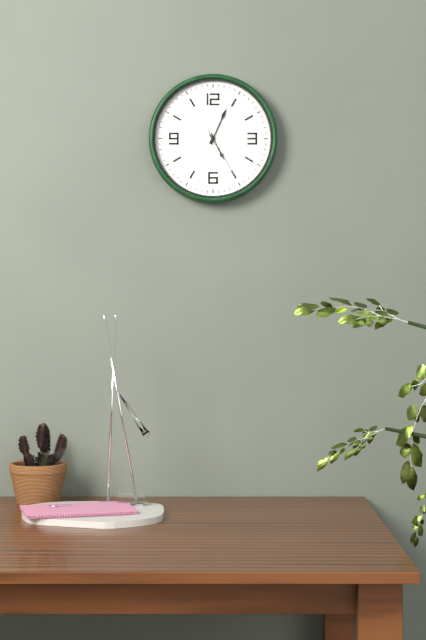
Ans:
h=5 m=4 s=25
